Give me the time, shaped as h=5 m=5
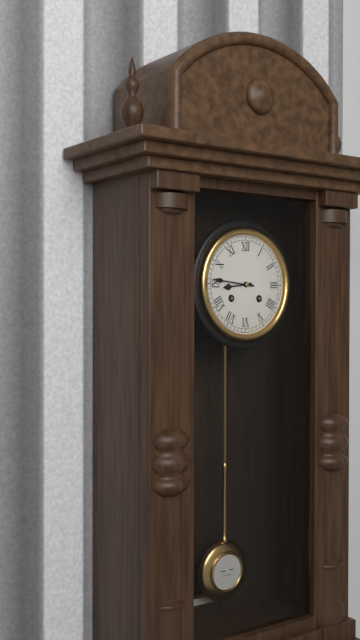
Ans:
h=8 m=46
